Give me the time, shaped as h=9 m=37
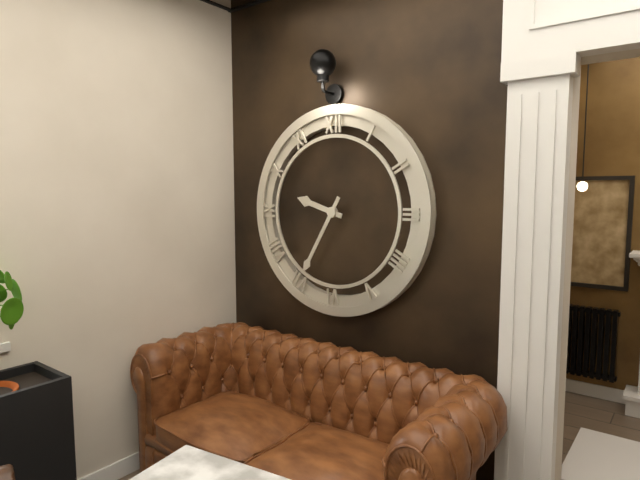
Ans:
h=9 m=35
